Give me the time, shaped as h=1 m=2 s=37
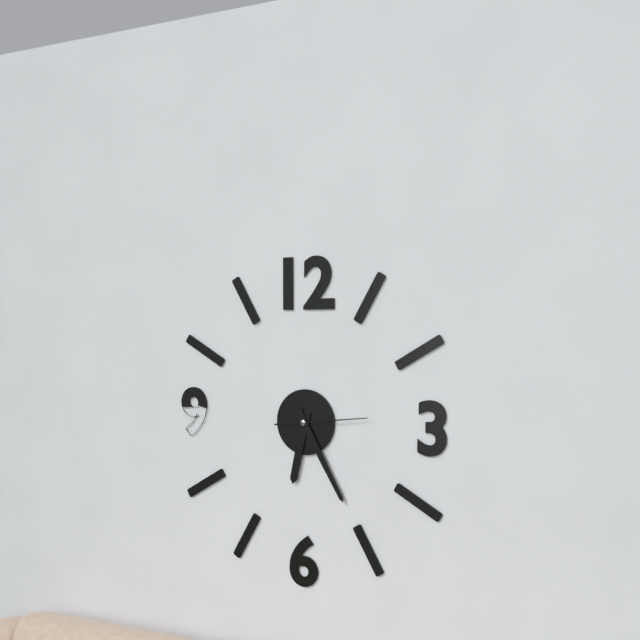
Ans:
h=6 m=25 s=14
